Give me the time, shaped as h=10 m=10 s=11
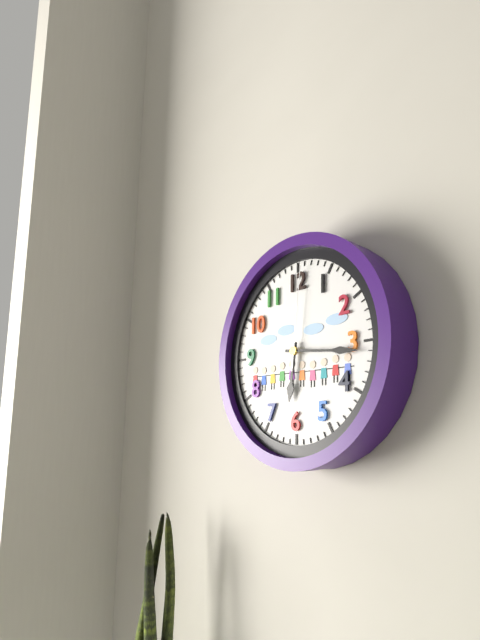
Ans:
h=6 m=16 s=1
